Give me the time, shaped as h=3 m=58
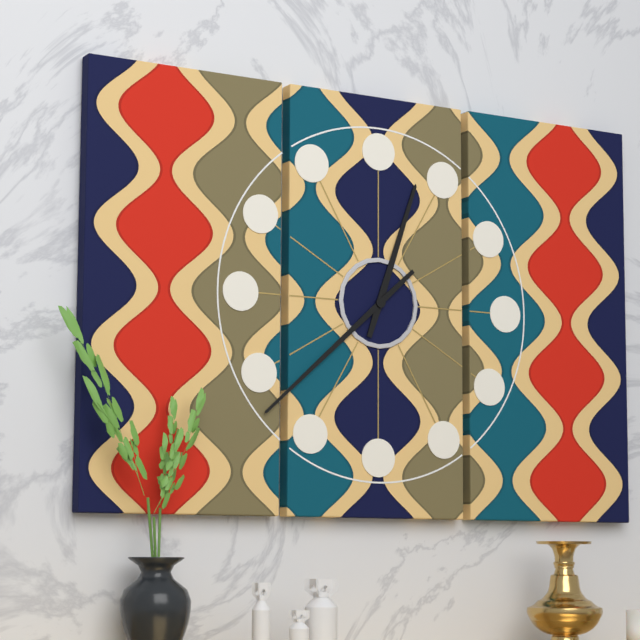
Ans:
h=12 m=38
